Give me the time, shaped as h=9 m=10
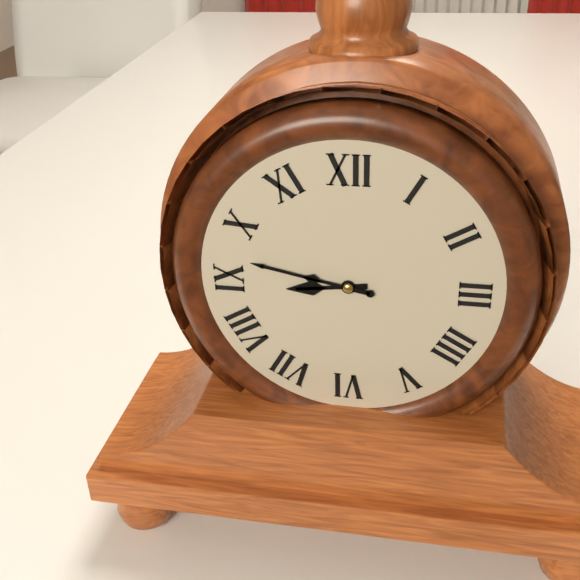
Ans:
h=8 m=47
